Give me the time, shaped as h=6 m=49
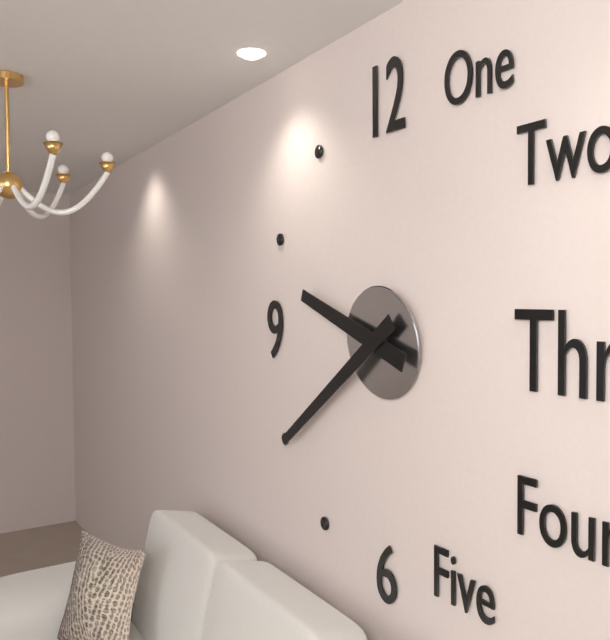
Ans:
h=9 m=39
